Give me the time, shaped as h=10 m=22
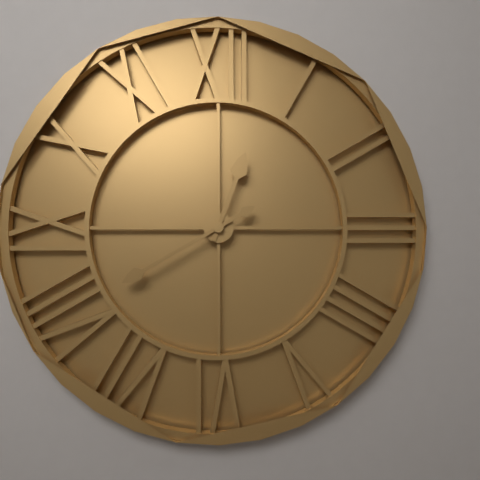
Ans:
h=12 m=40
